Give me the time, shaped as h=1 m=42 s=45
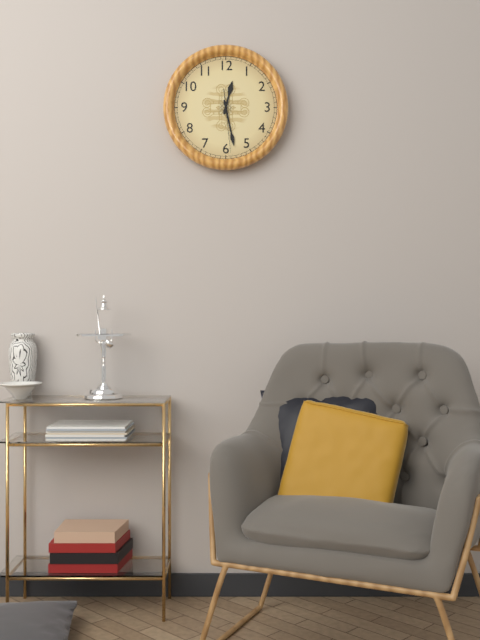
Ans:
h=12 m=28 s=29
